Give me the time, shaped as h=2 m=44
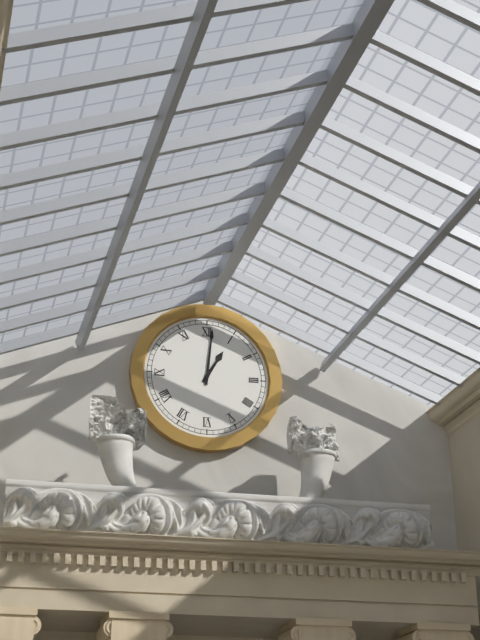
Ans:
h=1 m=1
